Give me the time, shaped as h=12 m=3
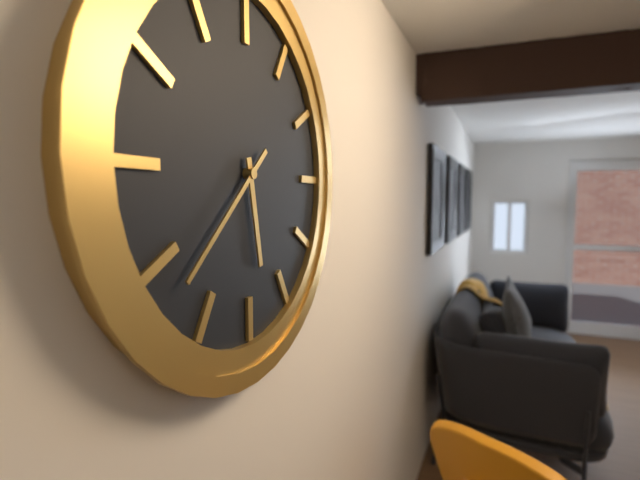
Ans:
h=5 m=38
